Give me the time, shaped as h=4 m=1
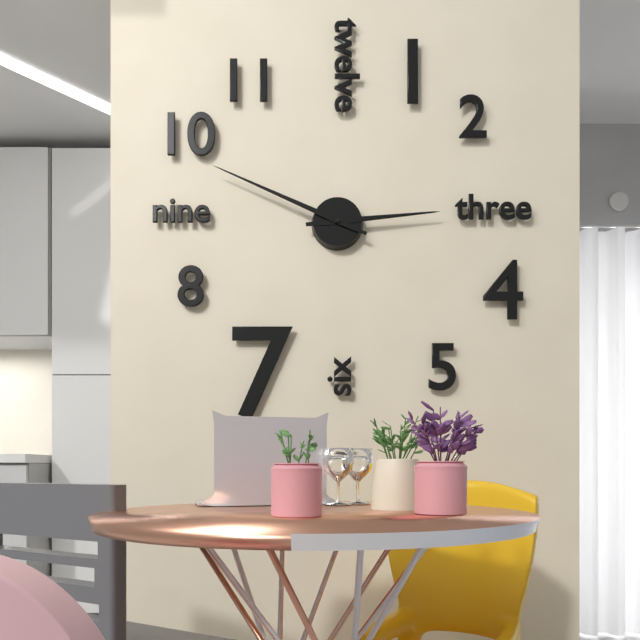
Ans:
h=2 m=49
